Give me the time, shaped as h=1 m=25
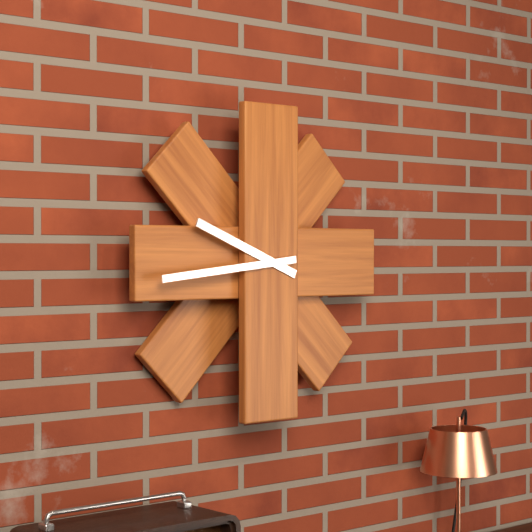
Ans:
h=9 m=44
